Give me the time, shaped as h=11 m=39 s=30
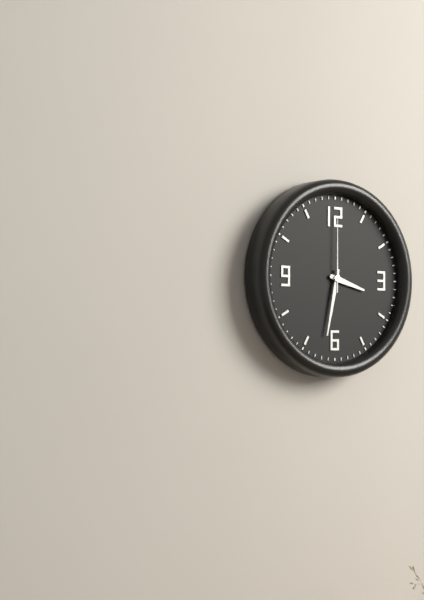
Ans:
h=3 m=32 s=0
